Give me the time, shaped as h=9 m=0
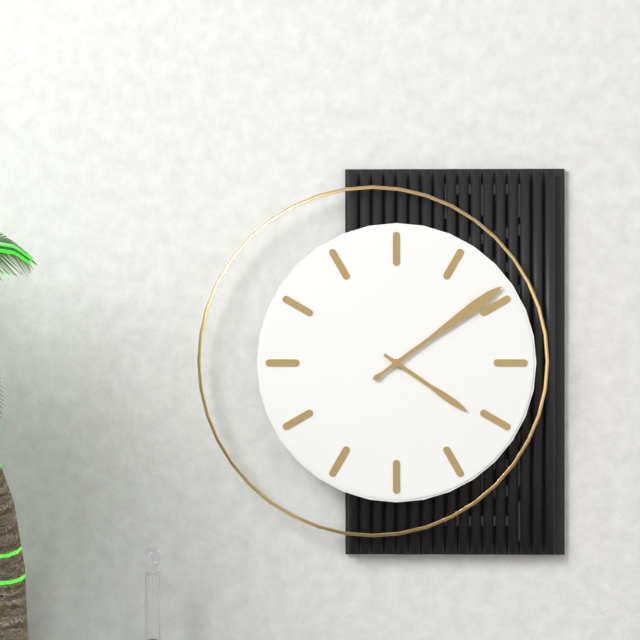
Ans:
h=4 m=9
